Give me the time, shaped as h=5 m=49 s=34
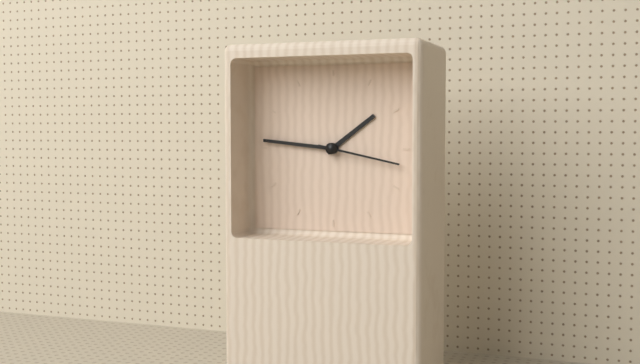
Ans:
h=1 m=46 s=17
